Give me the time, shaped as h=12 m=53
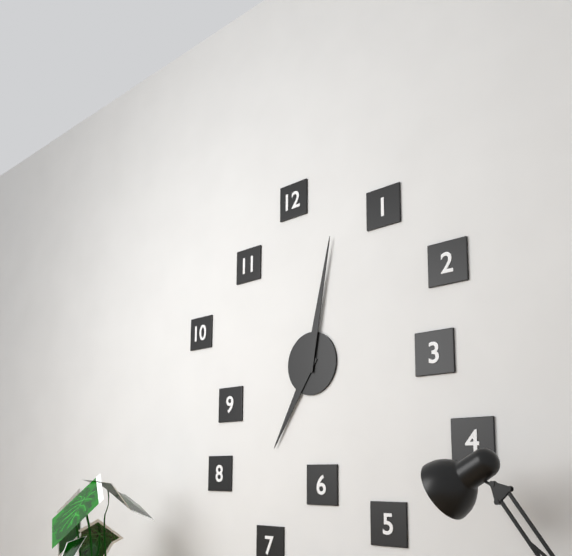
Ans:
h=7 m=2
